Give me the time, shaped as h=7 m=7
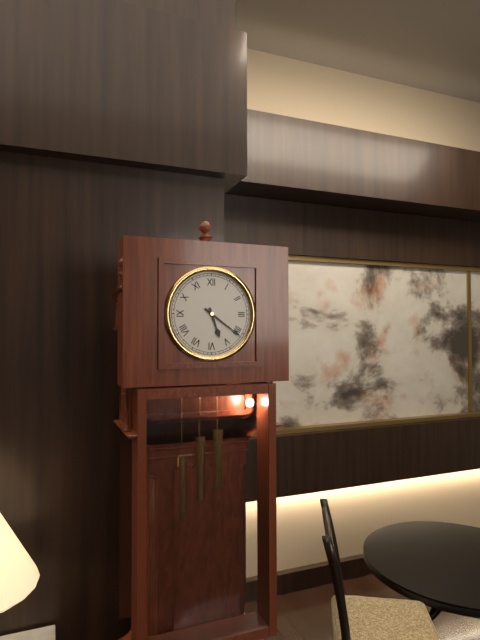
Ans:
h=5 m=21
